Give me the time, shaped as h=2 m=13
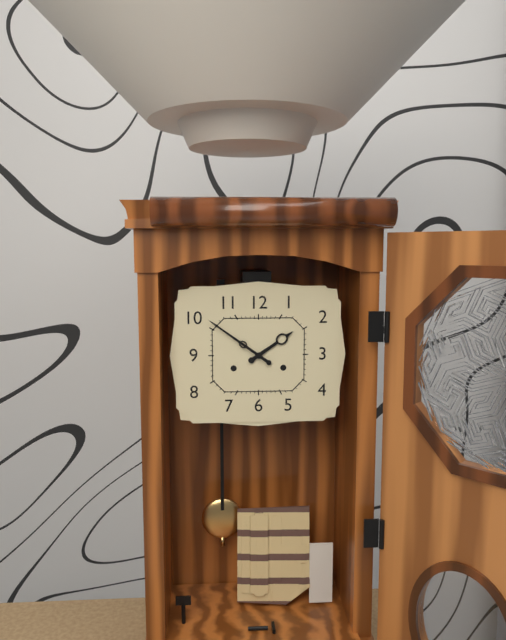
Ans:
h=1 m=51
